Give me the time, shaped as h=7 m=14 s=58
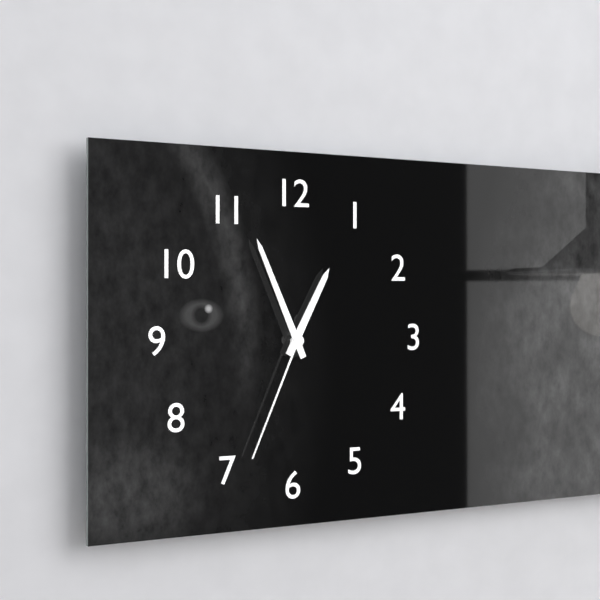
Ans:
h=12 m=56 s=34
